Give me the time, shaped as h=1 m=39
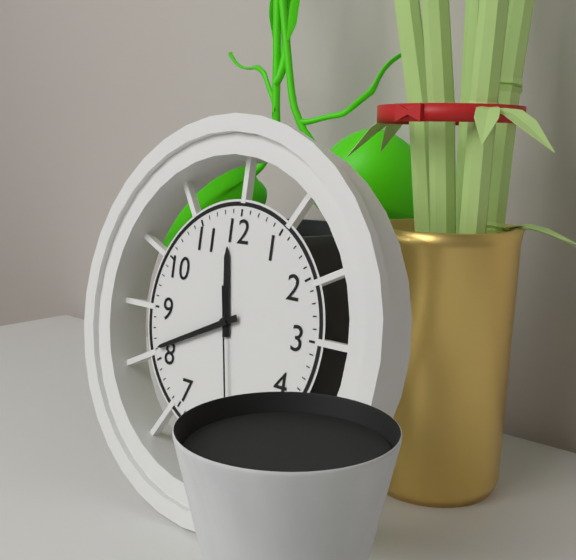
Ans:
h=11 m=41
